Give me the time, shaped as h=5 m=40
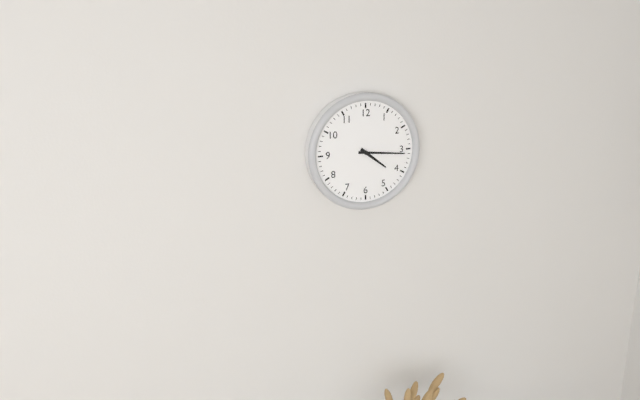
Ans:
h=4 m=16
